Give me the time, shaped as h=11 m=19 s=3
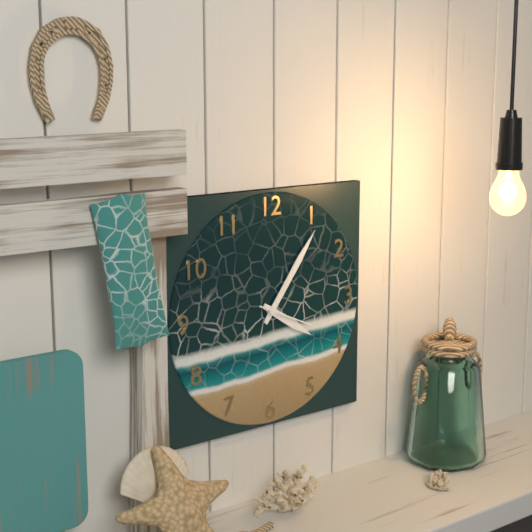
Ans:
h=4 m=6 s=19
